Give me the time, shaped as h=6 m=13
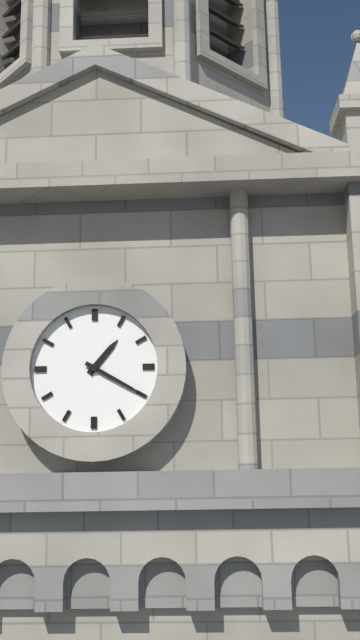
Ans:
h=1 m=20
